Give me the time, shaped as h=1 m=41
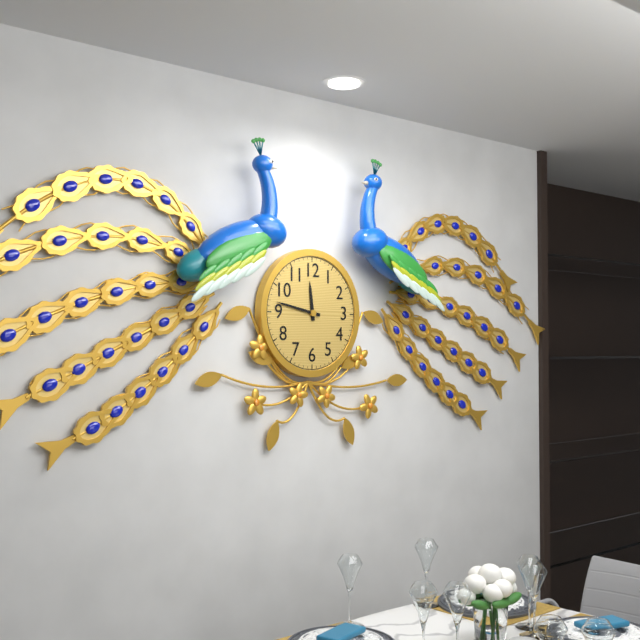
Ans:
h=11 m=47
